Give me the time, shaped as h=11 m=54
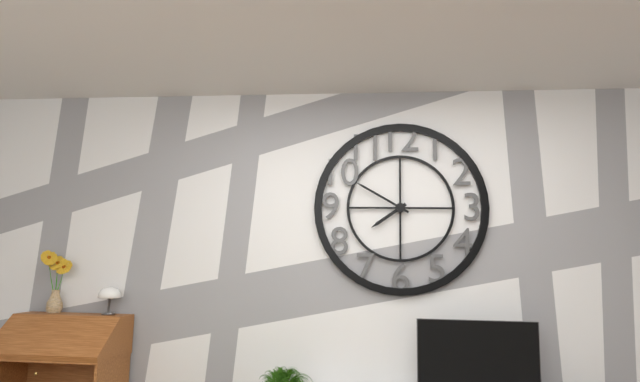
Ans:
h=7 m=50
